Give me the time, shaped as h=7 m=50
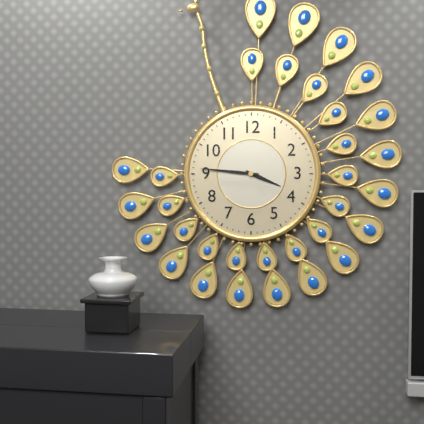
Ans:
h=3 m=46
